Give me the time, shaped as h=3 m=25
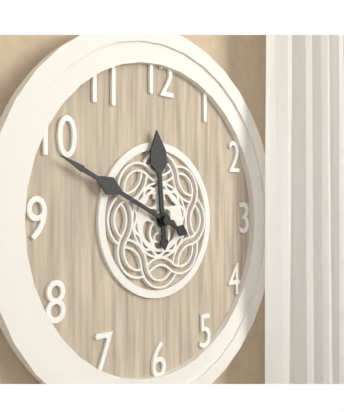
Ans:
h=11 m=49
